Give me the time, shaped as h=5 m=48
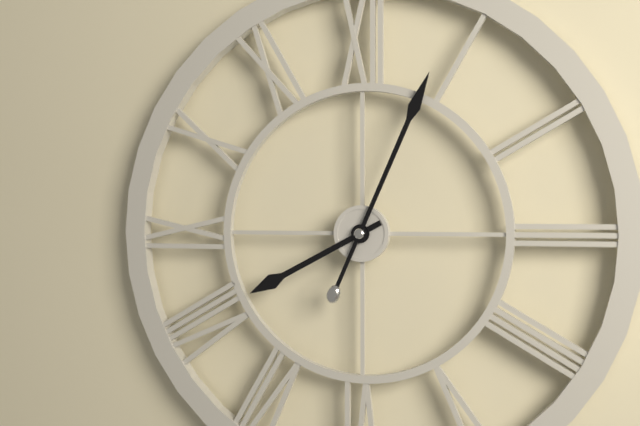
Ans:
h=8 m=4
